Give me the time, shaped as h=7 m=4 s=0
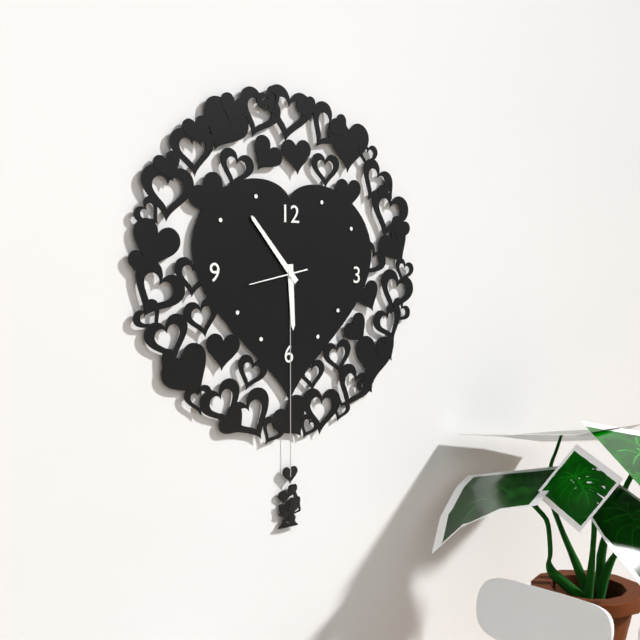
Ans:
h=5 m=53 s=43
